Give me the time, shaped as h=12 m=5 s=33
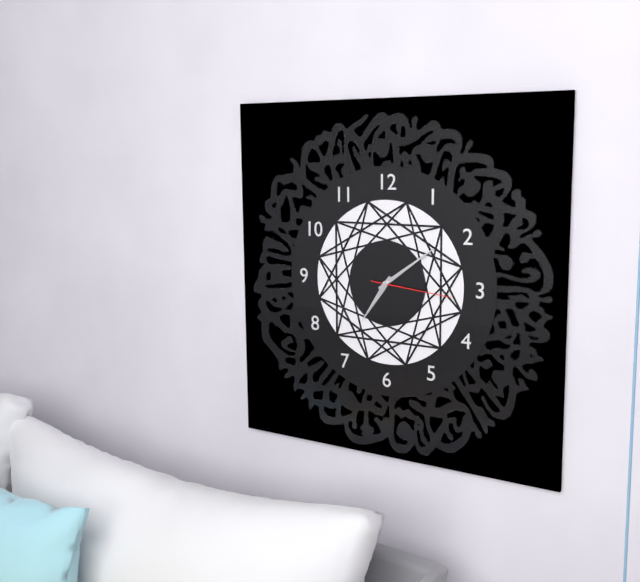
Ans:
h=7 m=9 s=16
